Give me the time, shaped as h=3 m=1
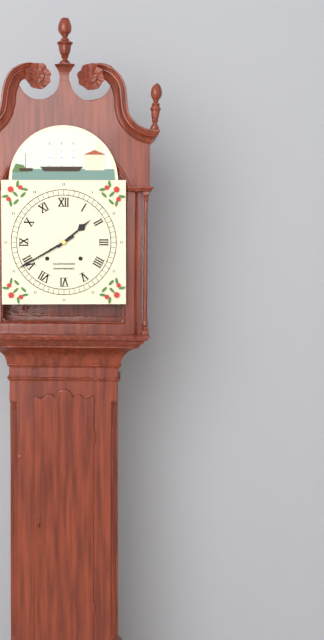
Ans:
h=1 m=40
